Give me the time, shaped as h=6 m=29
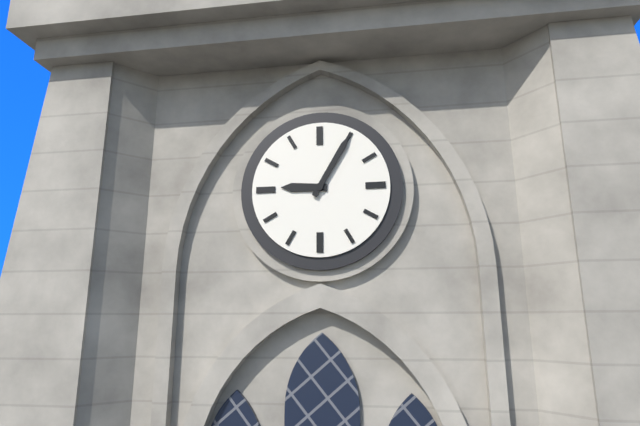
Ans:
h=9 m=5
